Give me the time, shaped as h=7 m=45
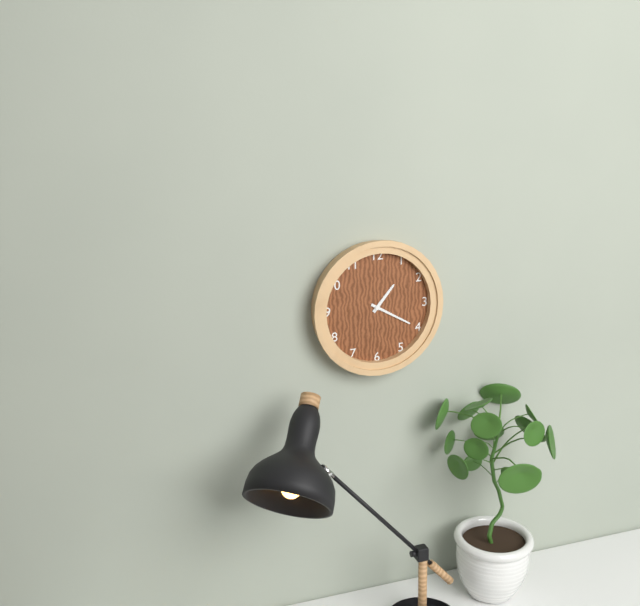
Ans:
h=1 m=20
